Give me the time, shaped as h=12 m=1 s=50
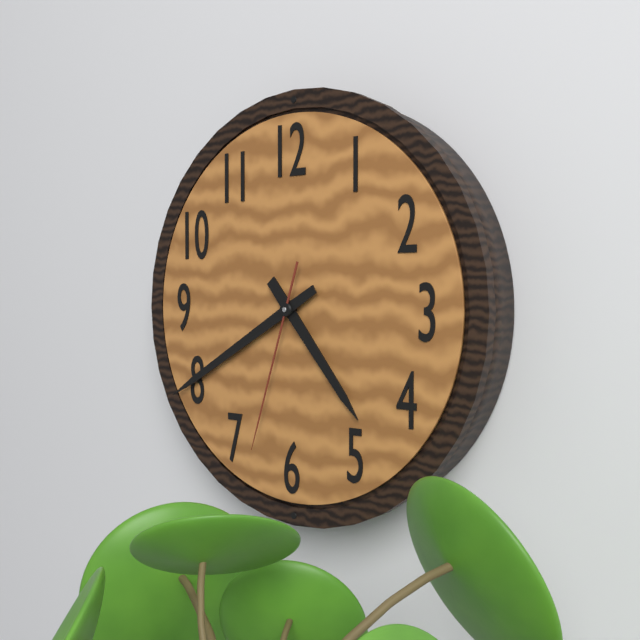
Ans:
h=4 m=40 s=33
